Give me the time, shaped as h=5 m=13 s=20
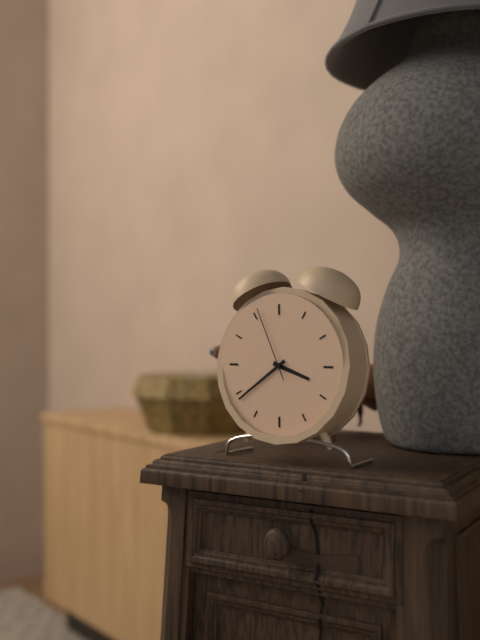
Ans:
h=3 m=39 s=56
